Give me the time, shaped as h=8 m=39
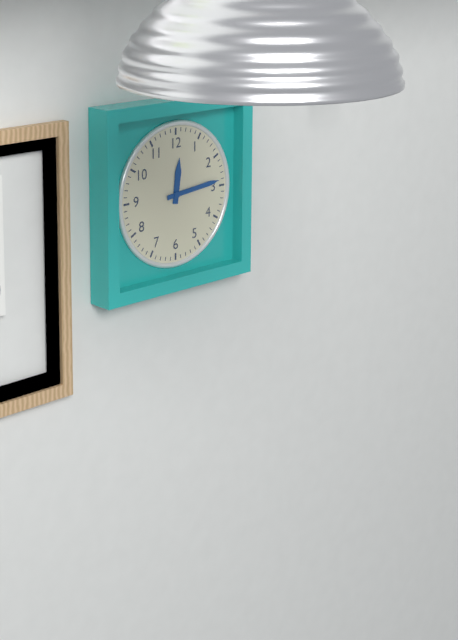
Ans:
h=12 m=14
